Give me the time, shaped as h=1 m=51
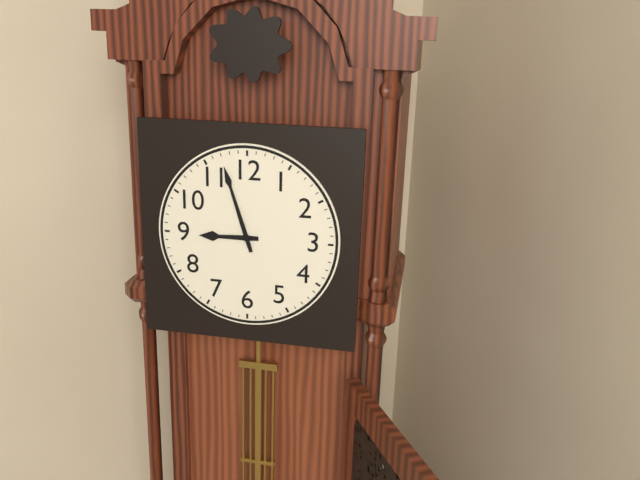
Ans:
h=8 m=57
